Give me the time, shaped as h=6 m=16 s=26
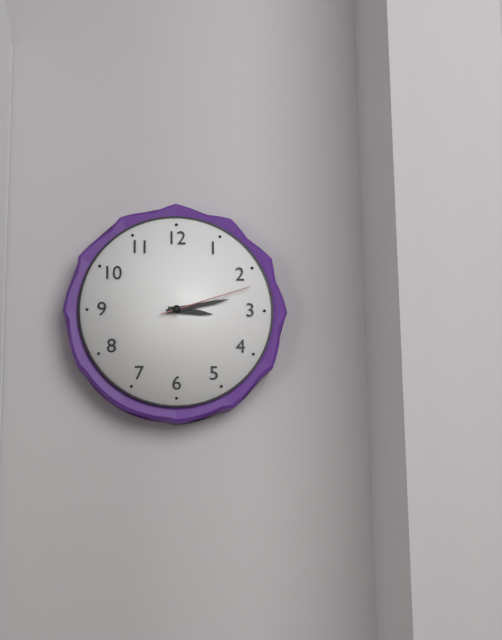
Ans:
h=3 m=13 s=12
